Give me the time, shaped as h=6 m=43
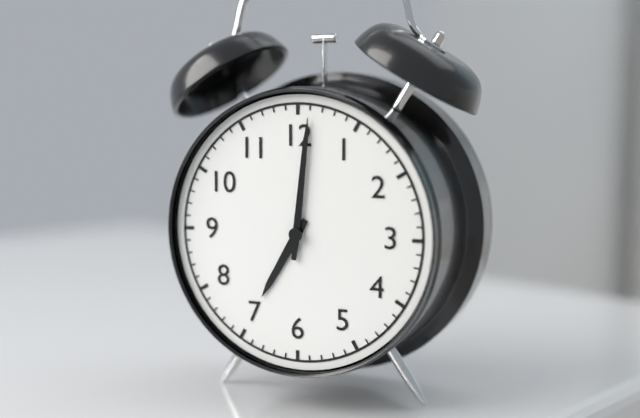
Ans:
h=7 m=1
